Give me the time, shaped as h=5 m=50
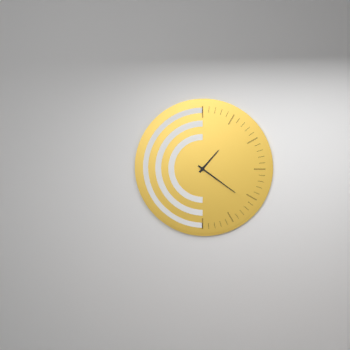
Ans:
h=1 m=21
